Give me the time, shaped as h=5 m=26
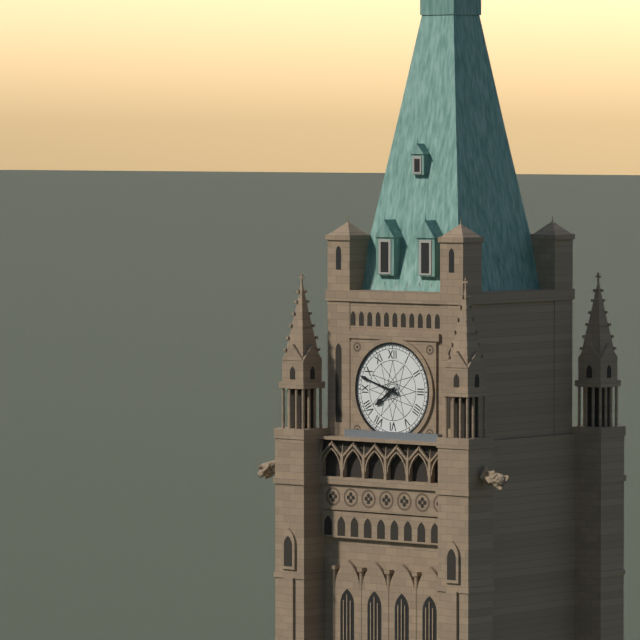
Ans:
h=7 m=48
